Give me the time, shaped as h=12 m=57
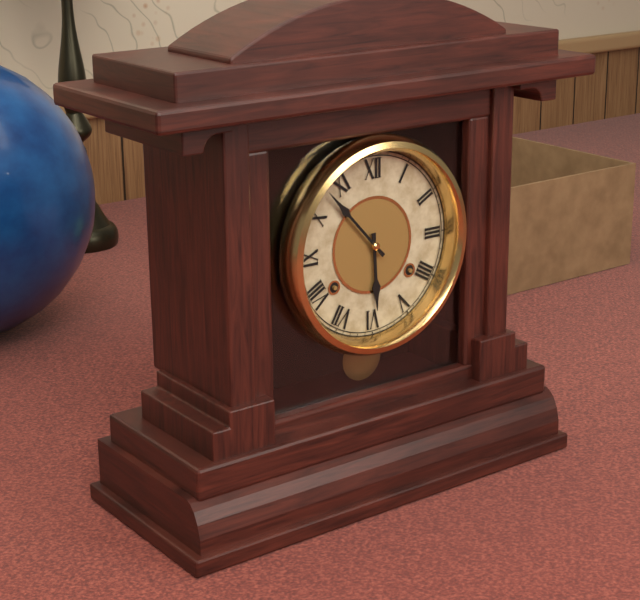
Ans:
h=5 m=53
